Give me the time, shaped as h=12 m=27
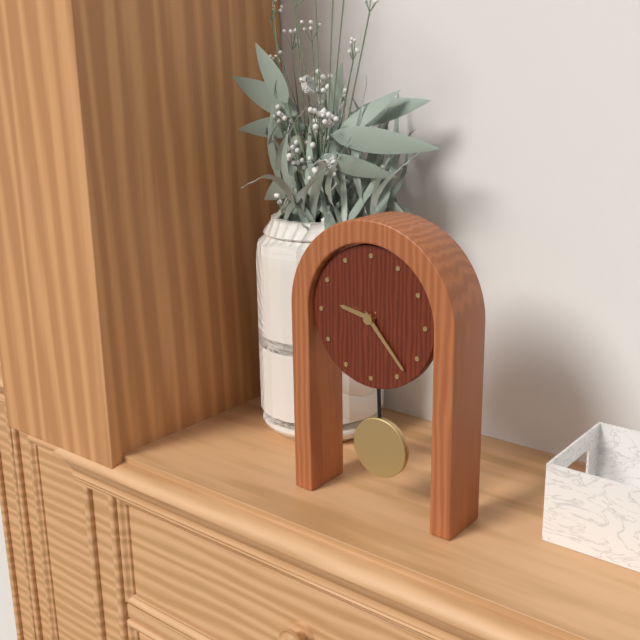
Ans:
h=9 m=23
